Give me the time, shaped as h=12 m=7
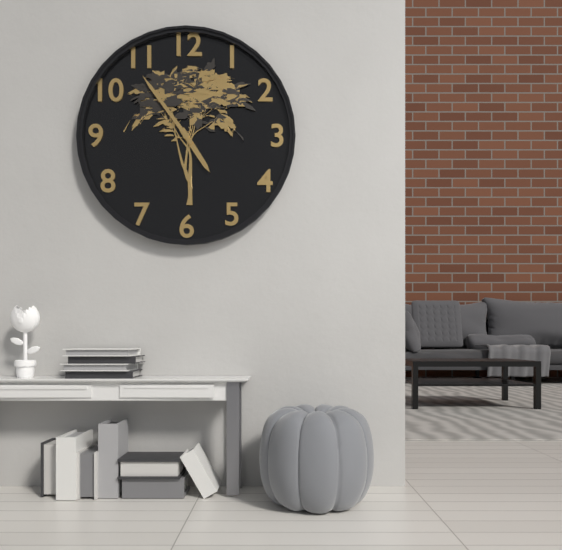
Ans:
h=4 m=54
